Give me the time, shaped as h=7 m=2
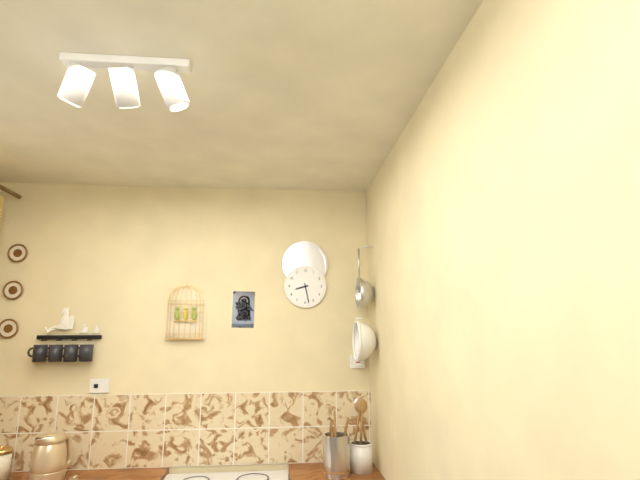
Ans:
h=8 m=28
